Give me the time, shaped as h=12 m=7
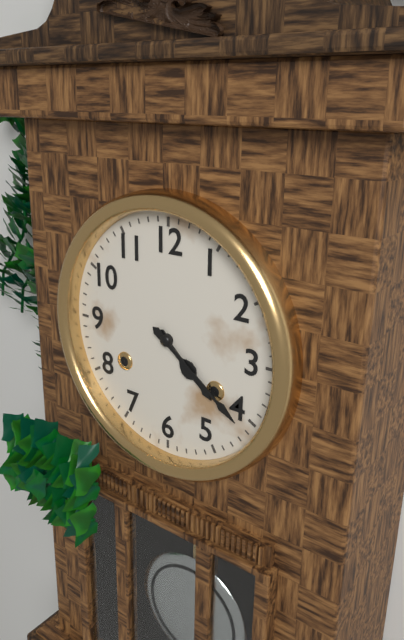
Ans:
h=4 m=21
